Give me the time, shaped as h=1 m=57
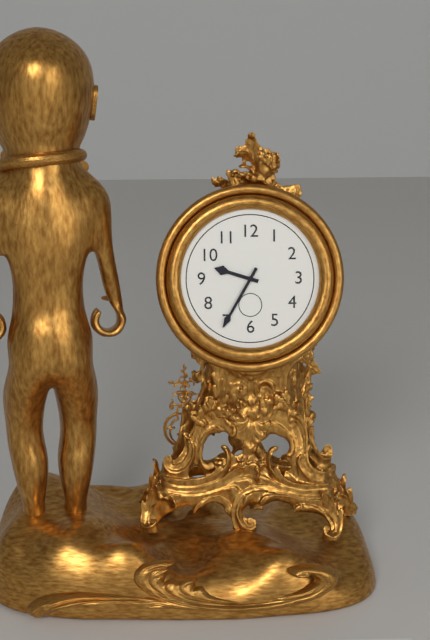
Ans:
h=9 m=35
